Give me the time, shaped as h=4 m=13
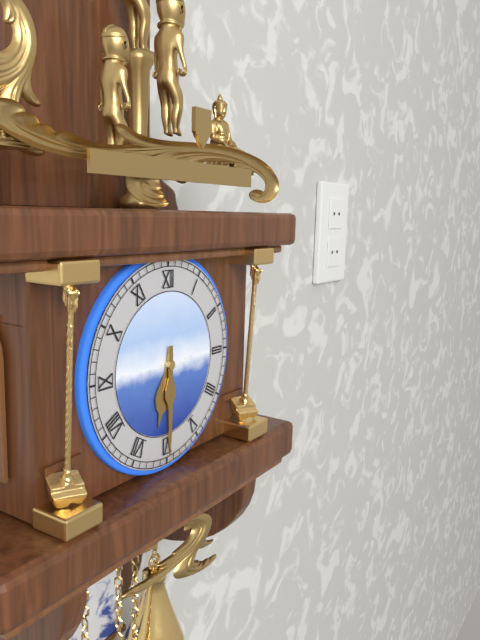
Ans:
h=6 m=30
